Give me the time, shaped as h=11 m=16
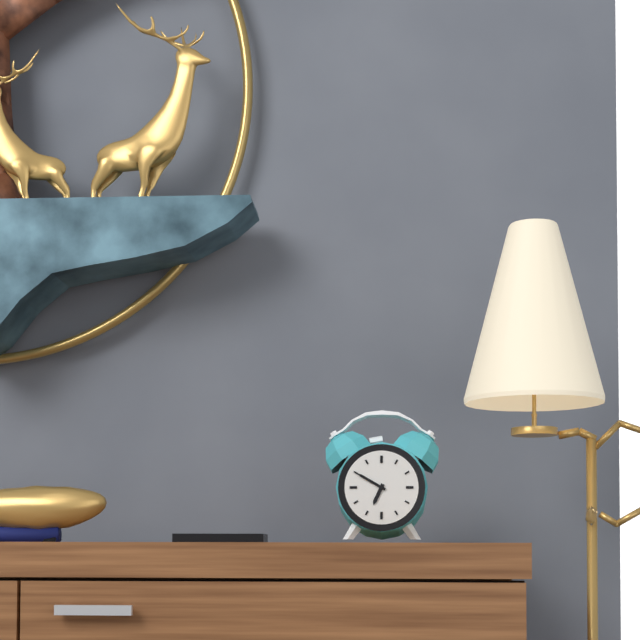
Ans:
h=6 m=50
